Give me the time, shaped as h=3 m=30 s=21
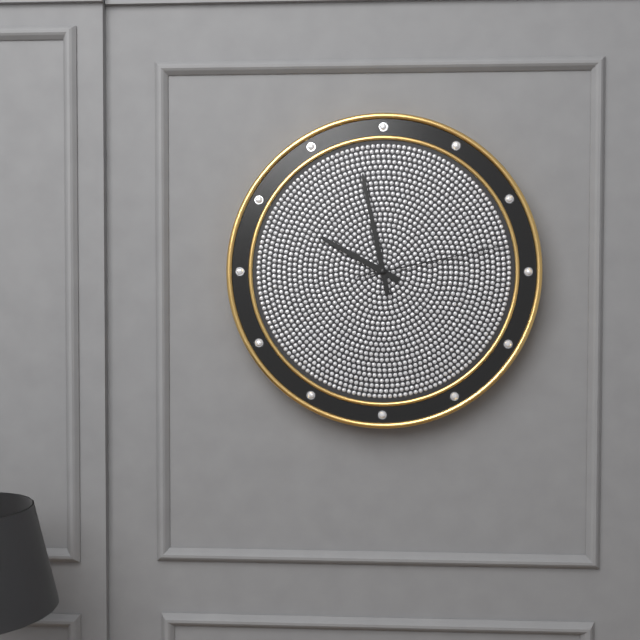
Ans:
h=9 m=58 s=13
